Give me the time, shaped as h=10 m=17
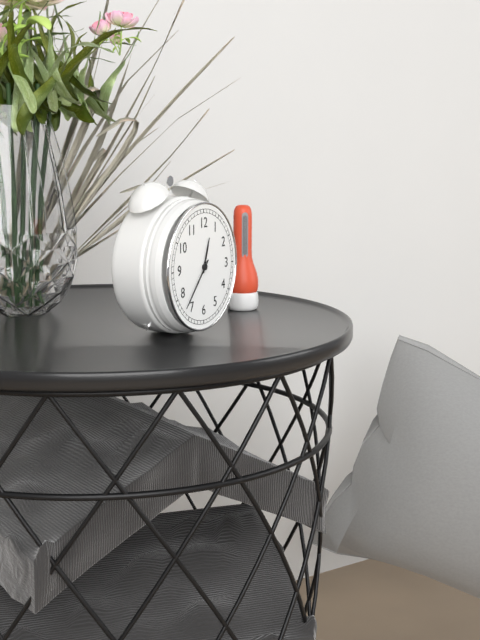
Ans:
h=12 m=37
